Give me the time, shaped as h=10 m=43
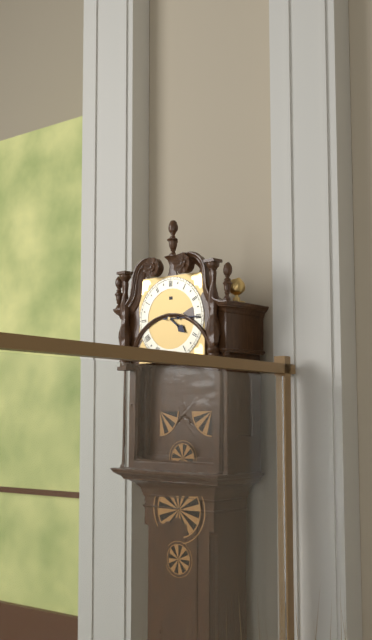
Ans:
h=4 m=15
